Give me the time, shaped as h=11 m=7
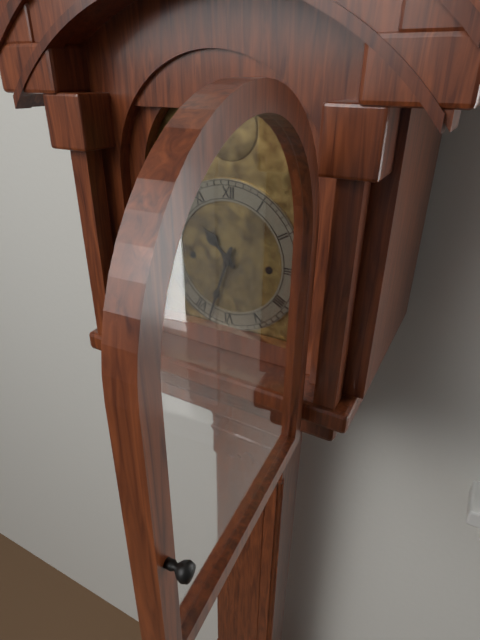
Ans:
h=10 m=33
